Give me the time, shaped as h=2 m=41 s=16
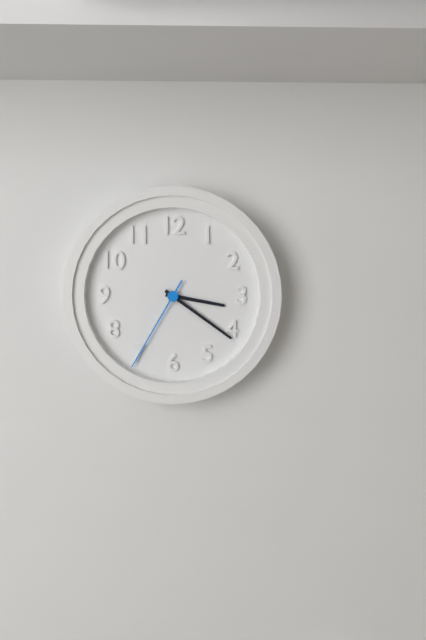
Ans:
h=3 m=21 s=35
